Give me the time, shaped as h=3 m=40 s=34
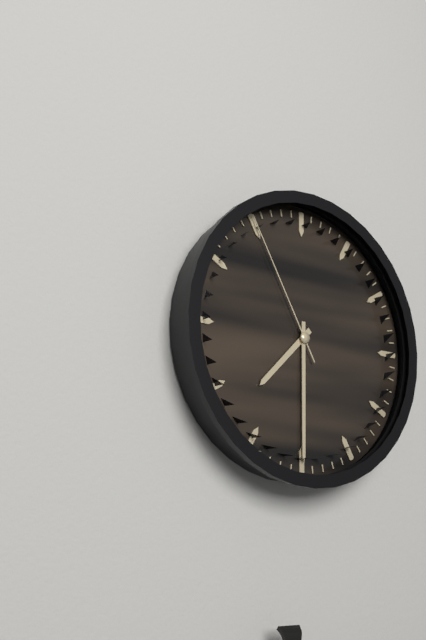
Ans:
h=7 m=30 s=55
